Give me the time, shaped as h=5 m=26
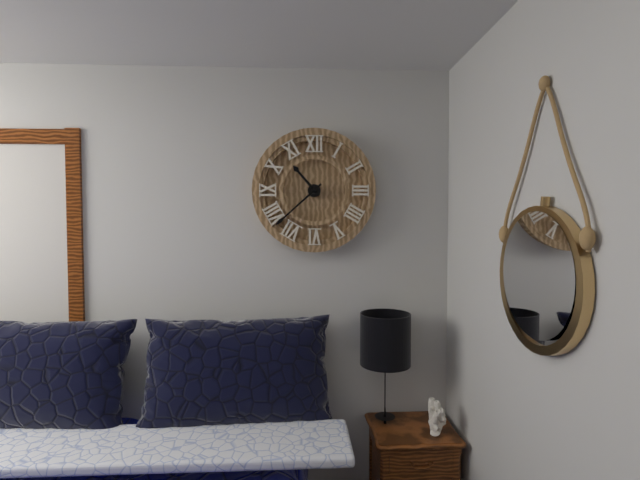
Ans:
h=10 m=38
